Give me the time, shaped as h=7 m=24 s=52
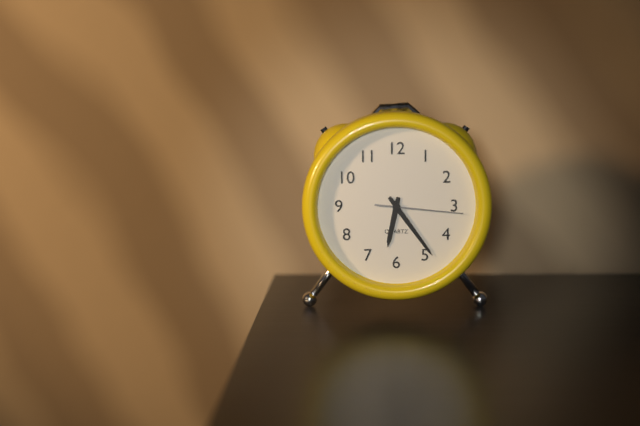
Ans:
h=6 m=24 s=16
